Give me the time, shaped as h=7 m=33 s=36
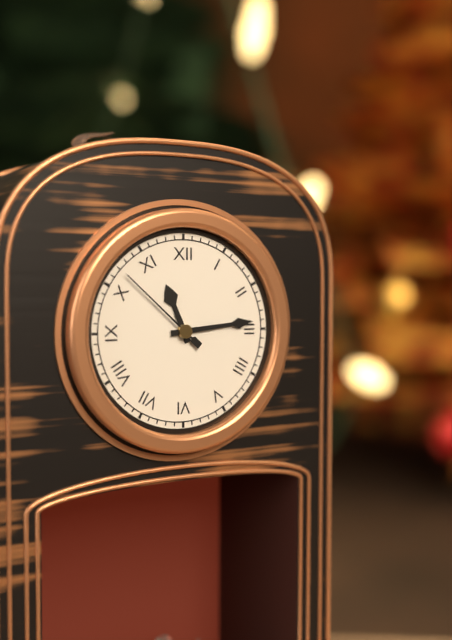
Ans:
h=11 m=14 s=52
